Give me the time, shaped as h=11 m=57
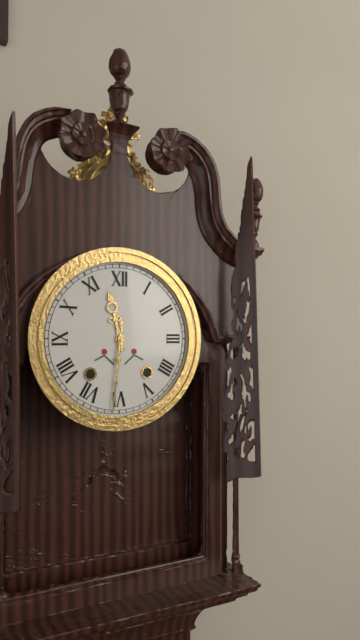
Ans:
h=11 m=31
